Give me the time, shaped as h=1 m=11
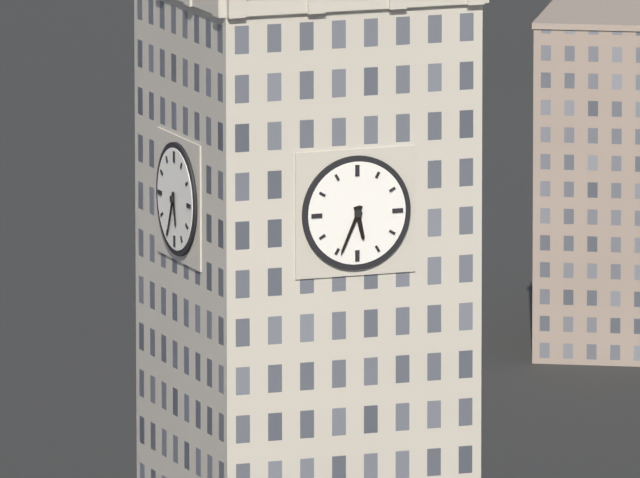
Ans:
h=5 m=34
